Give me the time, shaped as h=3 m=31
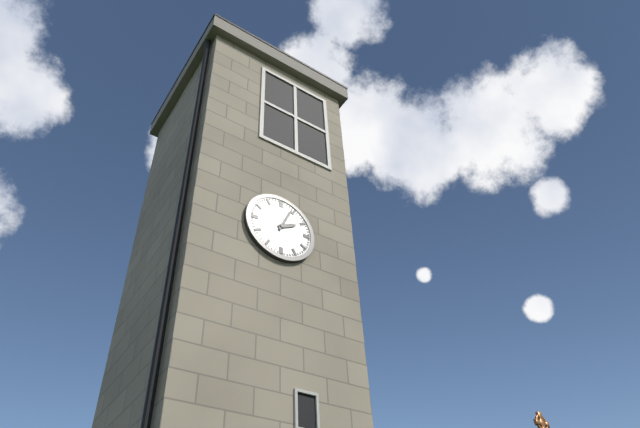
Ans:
h=2 m=4
